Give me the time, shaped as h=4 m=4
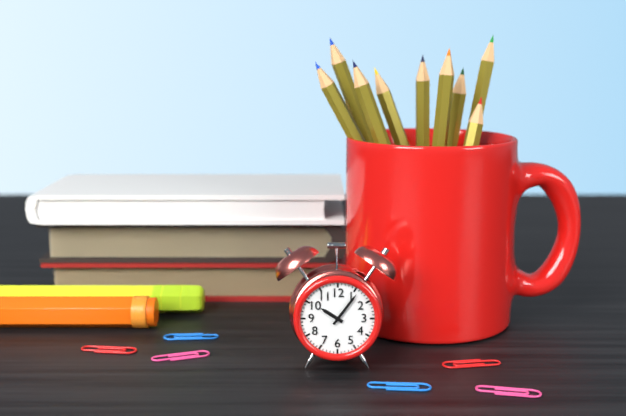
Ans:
h=10 m=6
